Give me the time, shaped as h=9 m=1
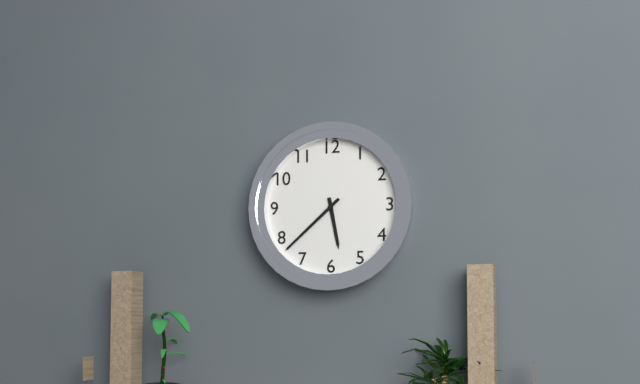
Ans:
h=5 m=38
